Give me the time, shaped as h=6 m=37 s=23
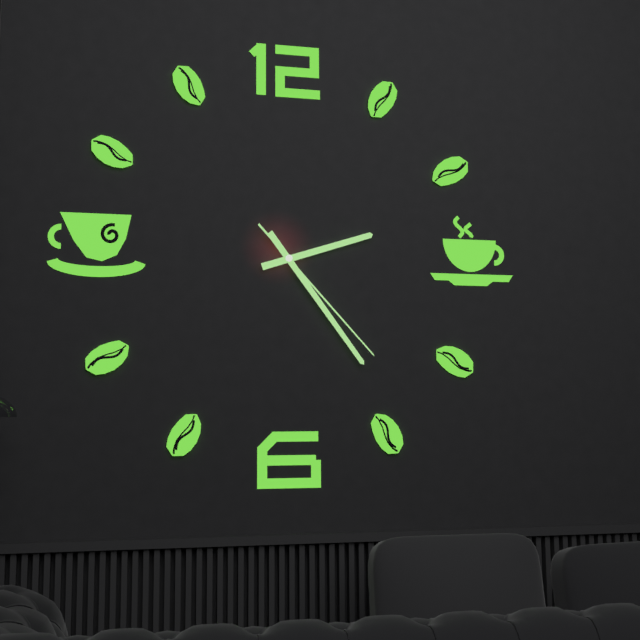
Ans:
h=2 m=24 s=23
